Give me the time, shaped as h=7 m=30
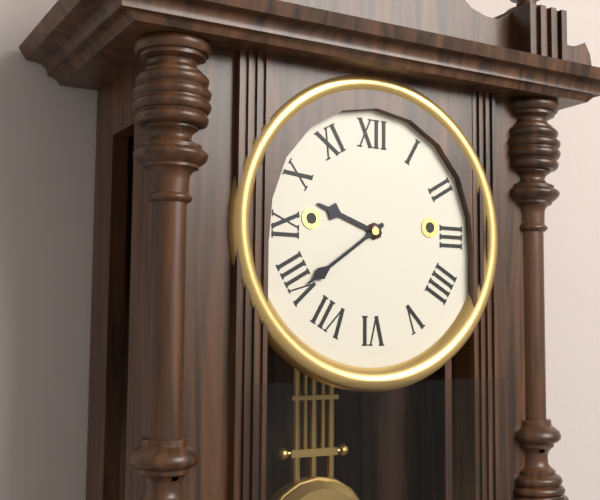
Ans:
h=9 m=39
